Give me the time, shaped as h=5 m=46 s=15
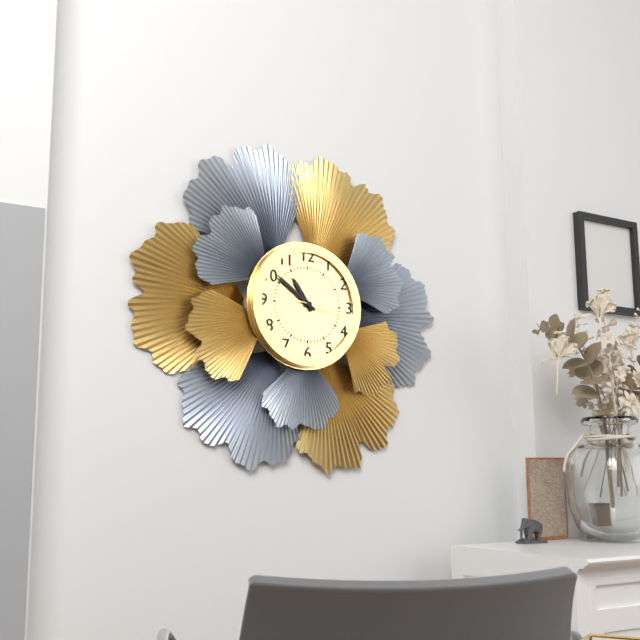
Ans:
h=10 m=51 s=17
